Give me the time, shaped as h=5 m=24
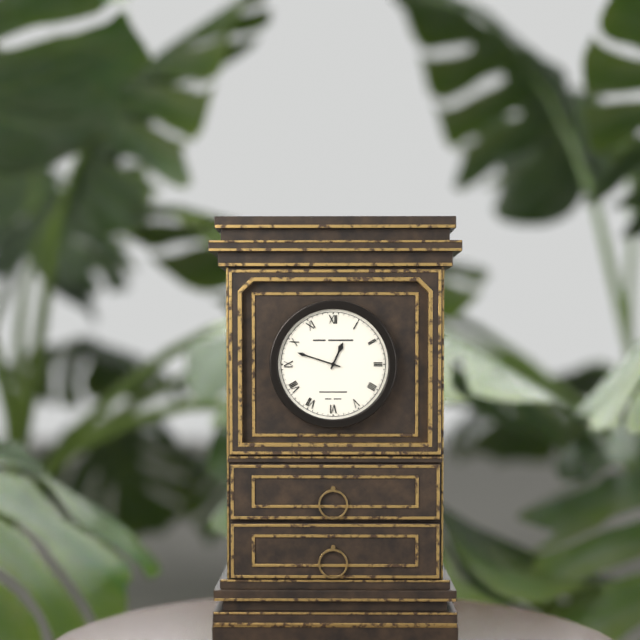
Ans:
h=12 m=48
